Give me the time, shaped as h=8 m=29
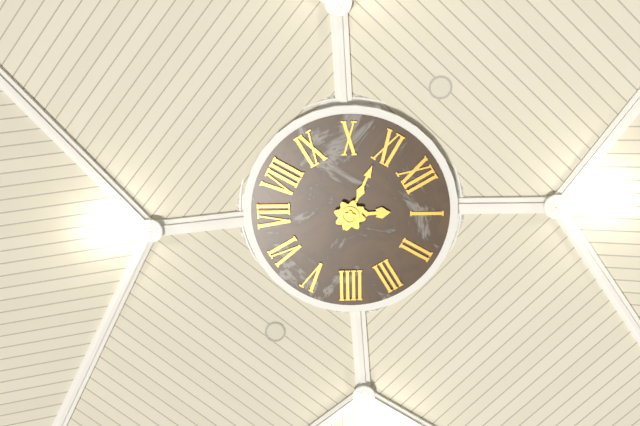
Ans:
h=12 m=54
